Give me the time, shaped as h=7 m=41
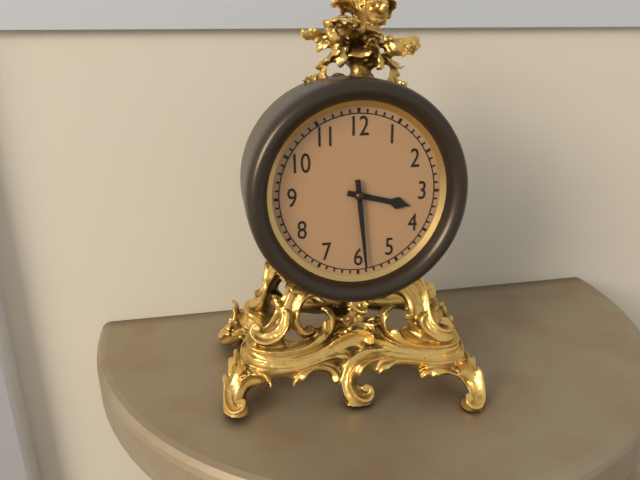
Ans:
h=3 m=29
